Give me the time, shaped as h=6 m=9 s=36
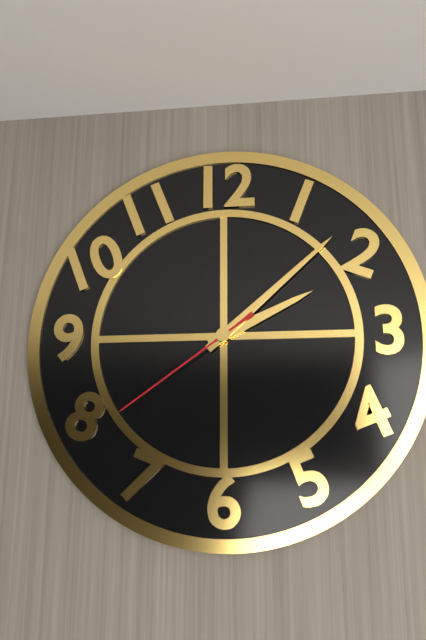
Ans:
h=2 m=8 s=39
